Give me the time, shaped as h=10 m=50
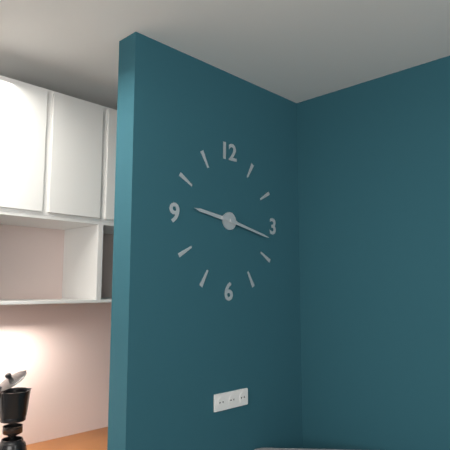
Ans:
h=9 m=17
